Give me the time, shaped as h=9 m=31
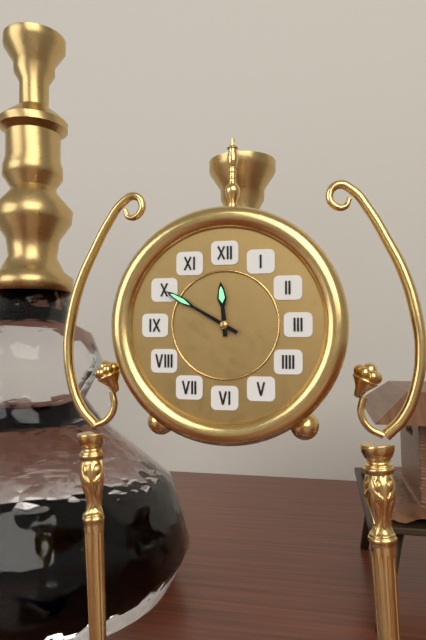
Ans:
h=11 m=50
